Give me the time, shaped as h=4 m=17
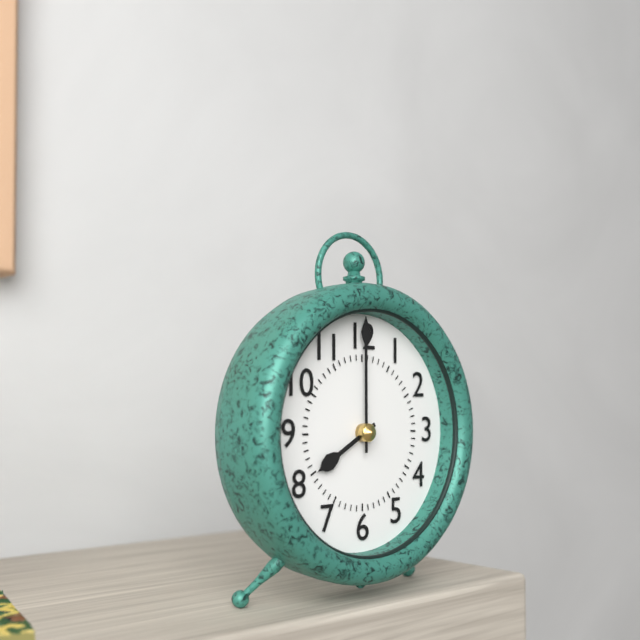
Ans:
h=8 m=0
